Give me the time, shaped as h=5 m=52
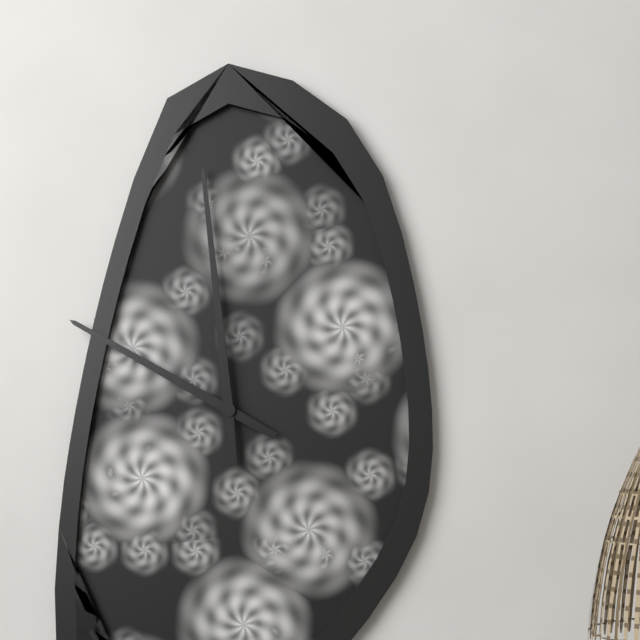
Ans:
h=9 m=59
